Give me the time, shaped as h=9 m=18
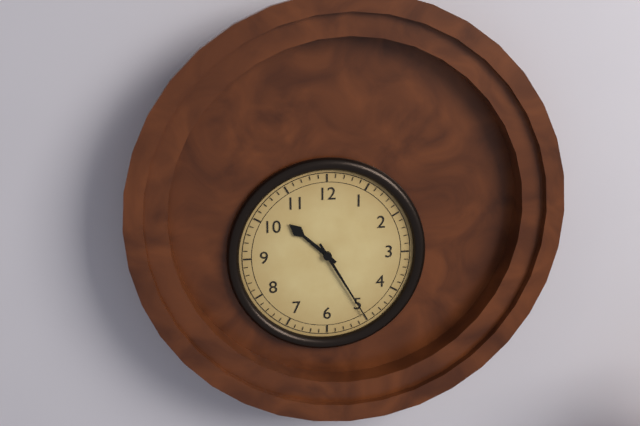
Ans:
h=10 m=25
